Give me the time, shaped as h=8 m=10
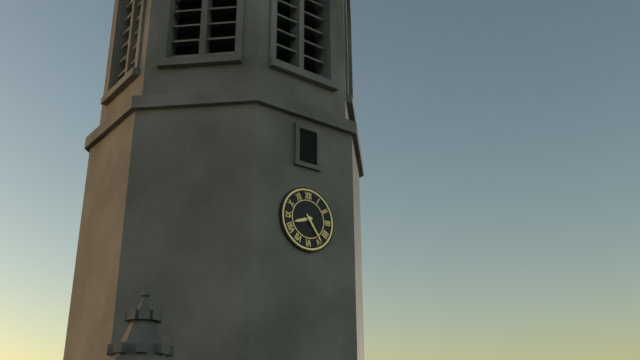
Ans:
h=8 m=24
